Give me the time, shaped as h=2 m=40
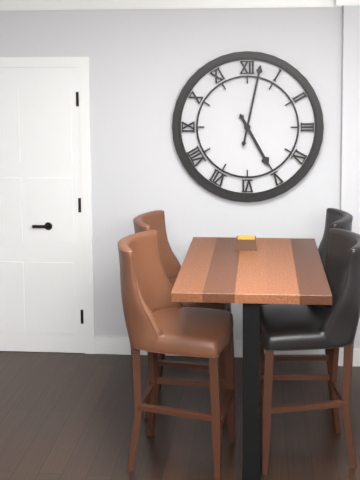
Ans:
h=5 m=2
